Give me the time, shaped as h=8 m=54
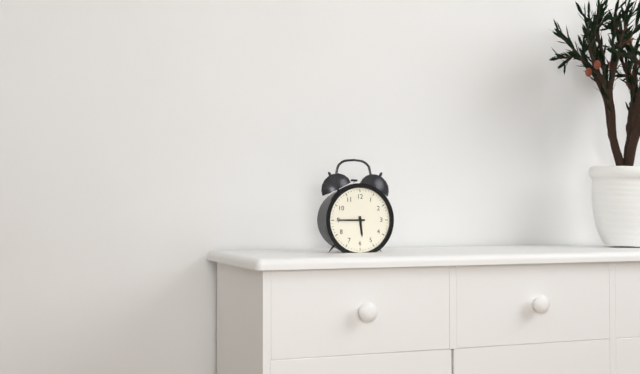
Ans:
h=5 m=45
